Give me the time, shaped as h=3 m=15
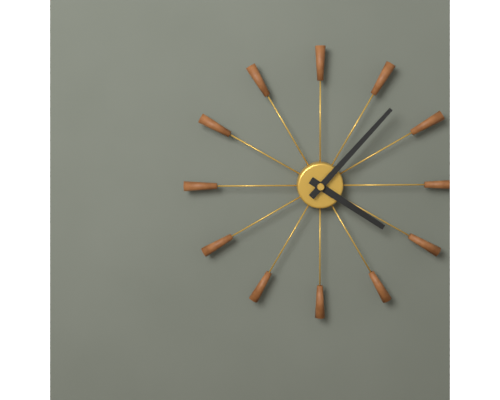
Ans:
h=4 m=7
